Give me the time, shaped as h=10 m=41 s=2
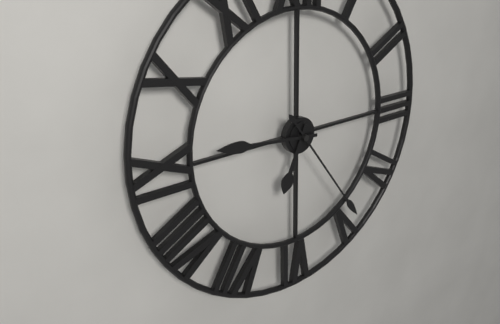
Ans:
h=6 m=46 s=24
